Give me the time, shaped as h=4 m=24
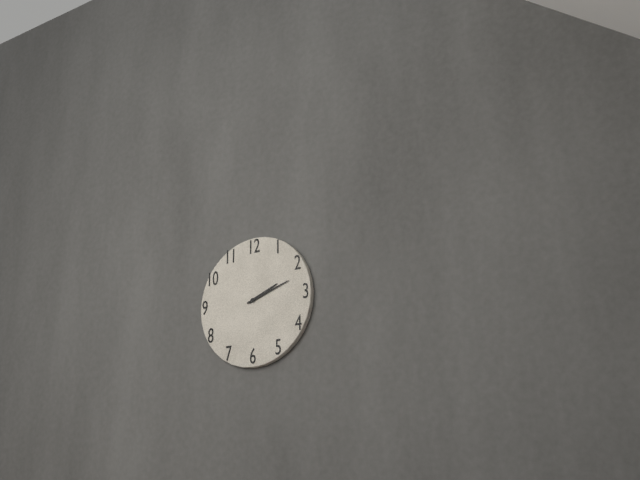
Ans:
h=2 m=12
